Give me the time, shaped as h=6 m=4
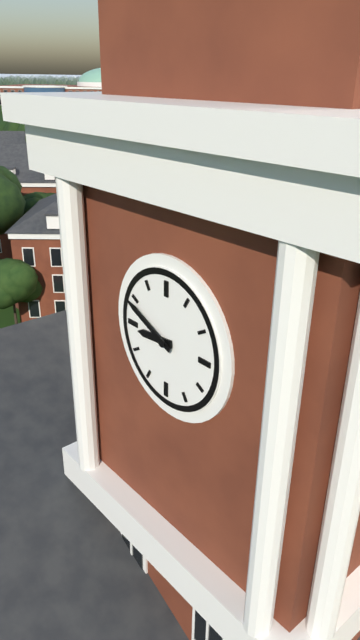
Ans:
h=8 m=49
